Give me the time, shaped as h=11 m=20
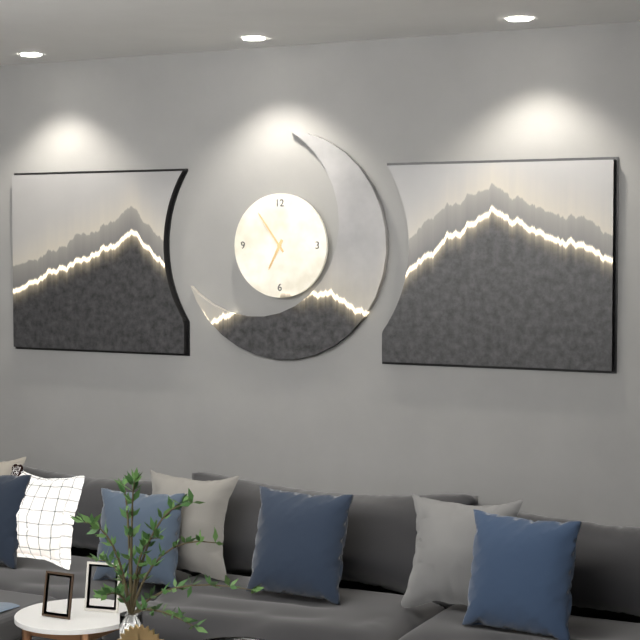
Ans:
h=6 m=54
